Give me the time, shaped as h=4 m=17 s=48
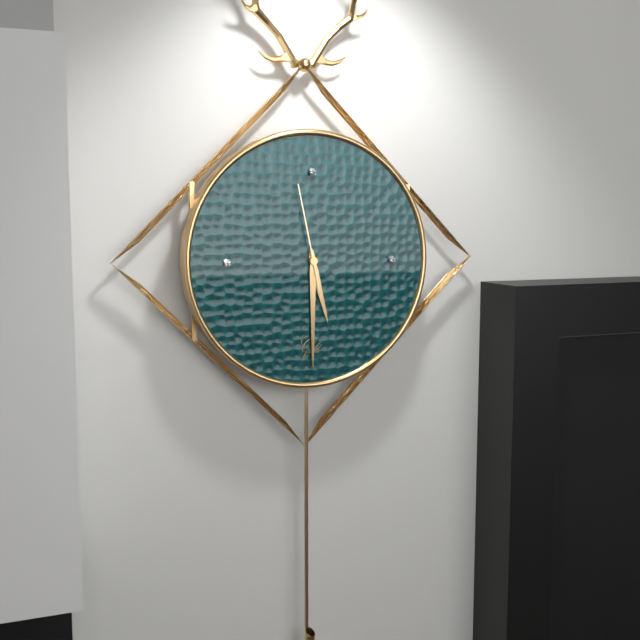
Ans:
h=5 m=30 s=58
